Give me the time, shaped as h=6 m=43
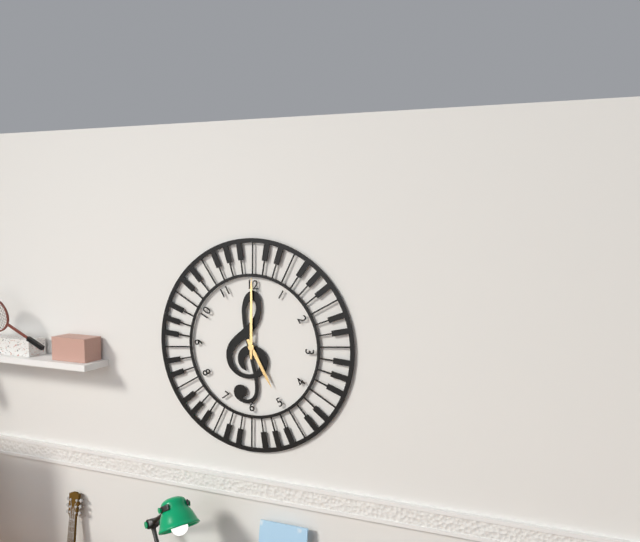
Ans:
h=5 m=0
